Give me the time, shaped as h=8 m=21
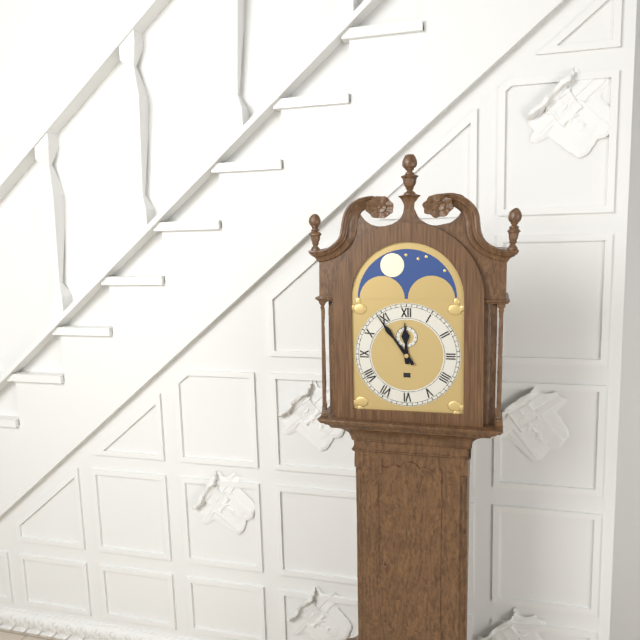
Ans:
h=11 m=54
